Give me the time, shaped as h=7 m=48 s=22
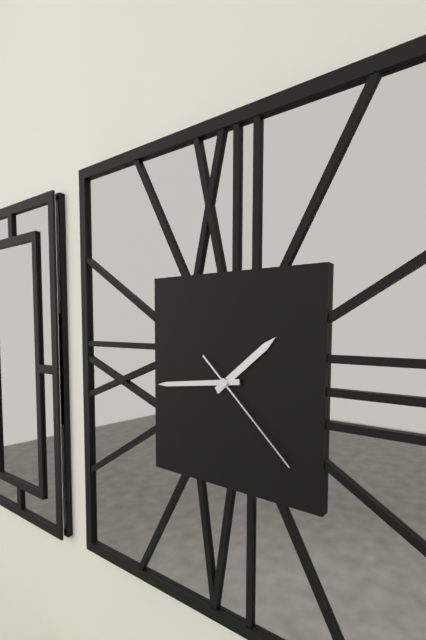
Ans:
h=1 m=44 s=22
